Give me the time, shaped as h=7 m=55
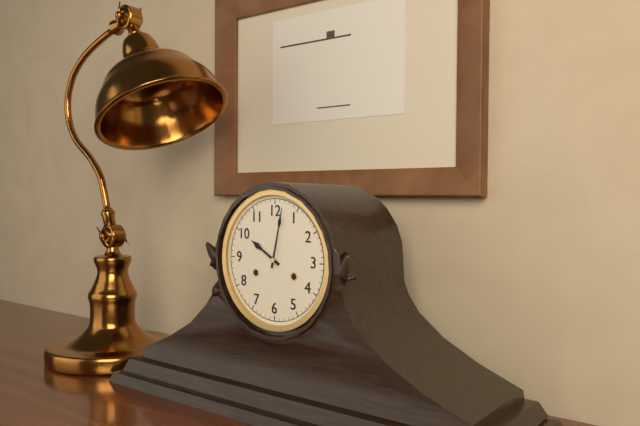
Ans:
h=10 m=2
